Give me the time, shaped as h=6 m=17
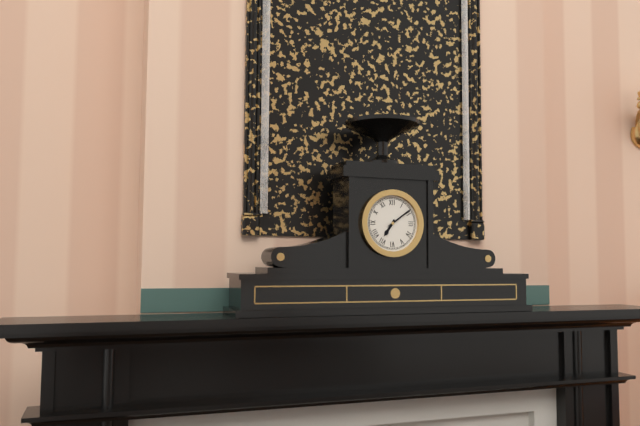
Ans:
h=7 m=9
